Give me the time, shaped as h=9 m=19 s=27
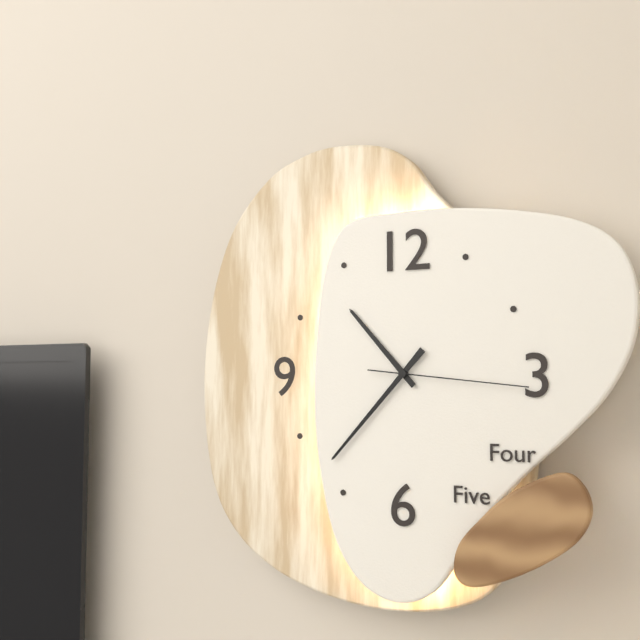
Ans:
h=10 m=37 s=16
